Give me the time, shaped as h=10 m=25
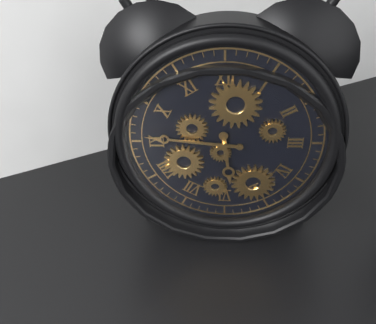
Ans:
h=5 m=46
